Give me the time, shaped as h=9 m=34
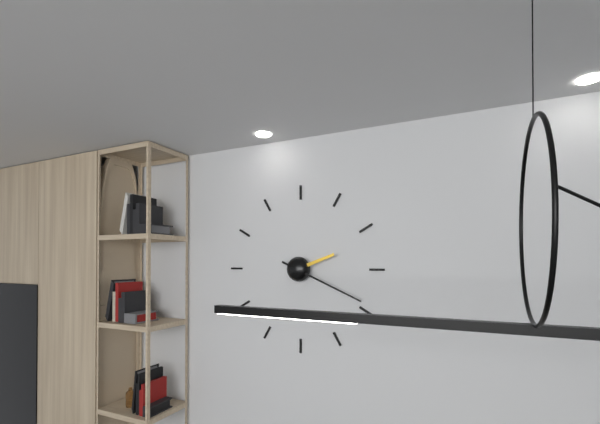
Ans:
h=2 m=19
